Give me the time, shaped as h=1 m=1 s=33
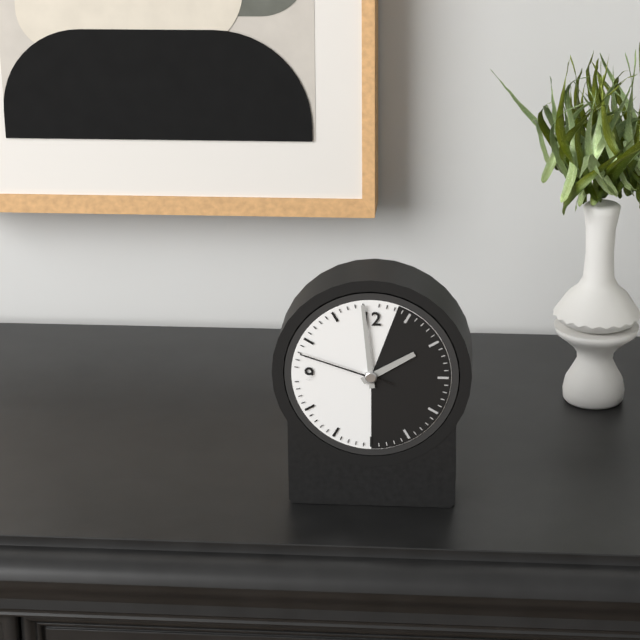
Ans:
h=1 m=59 s=48
